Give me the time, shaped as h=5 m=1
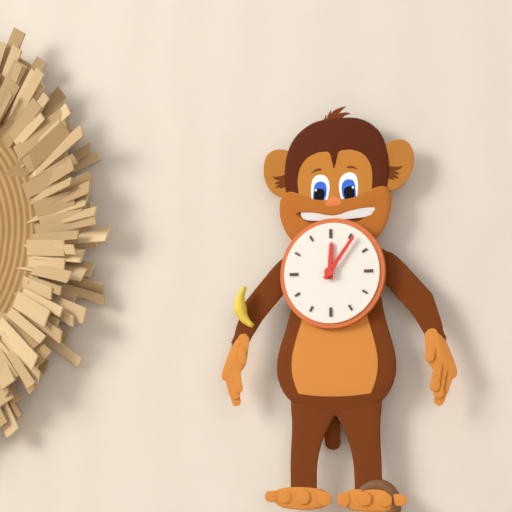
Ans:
h=12 m=6
